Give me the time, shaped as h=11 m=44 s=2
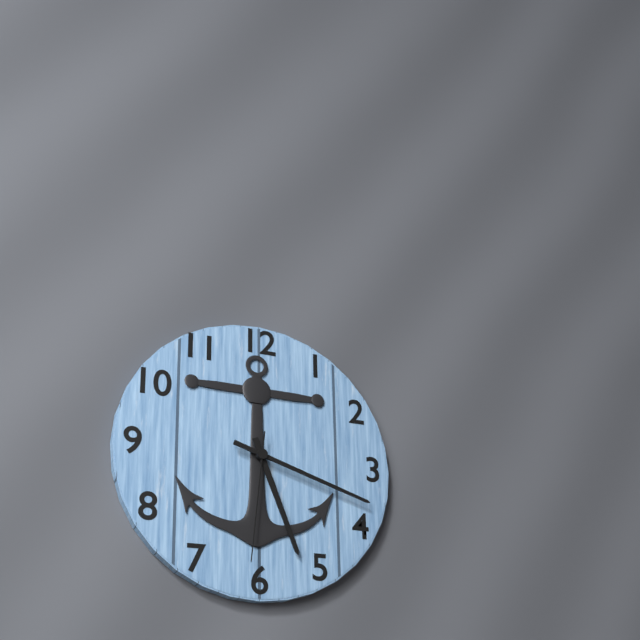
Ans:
h=5 m=18 s=31
